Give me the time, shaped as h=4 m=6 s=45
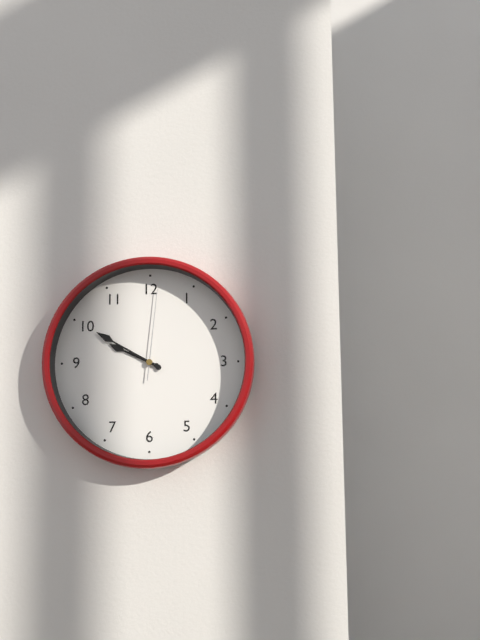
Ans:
h=9 m=50 s=1
